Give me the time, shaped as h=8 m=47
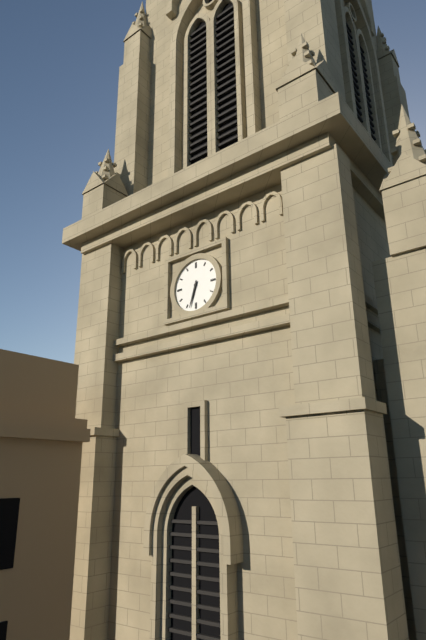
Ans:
h=6 m=33
